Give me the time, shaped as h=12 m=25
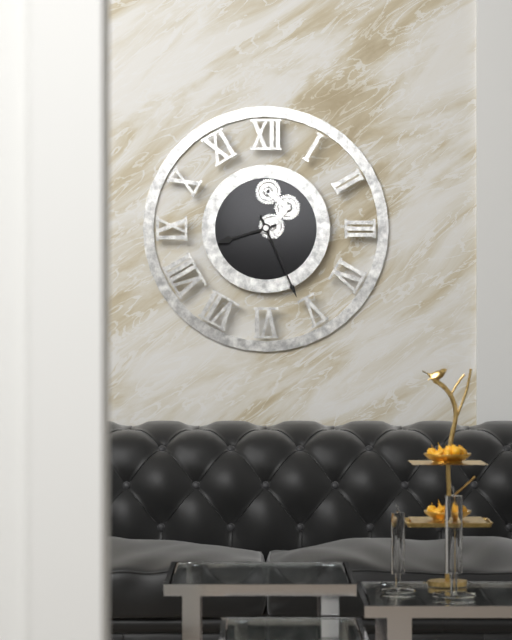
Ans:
h=8 m=26
